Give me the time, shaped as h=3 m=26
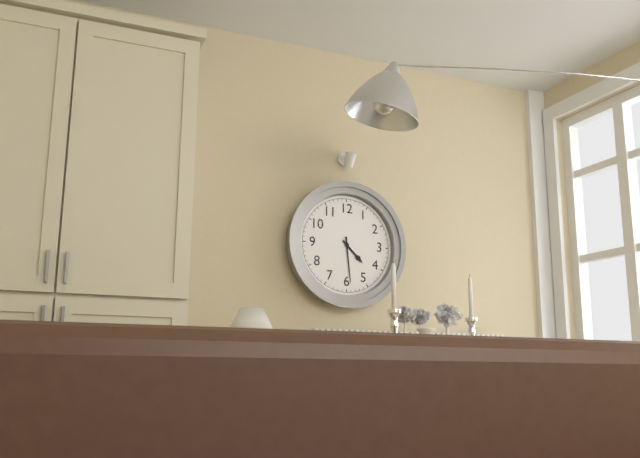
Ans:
h=4 m=29
